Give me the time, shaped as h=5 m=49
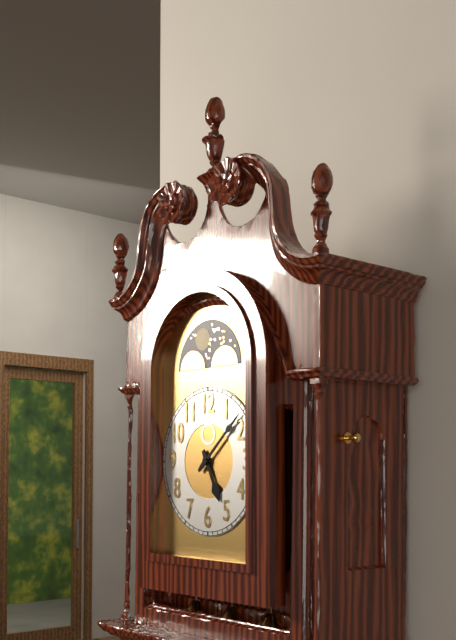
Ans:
h=5 m=8
